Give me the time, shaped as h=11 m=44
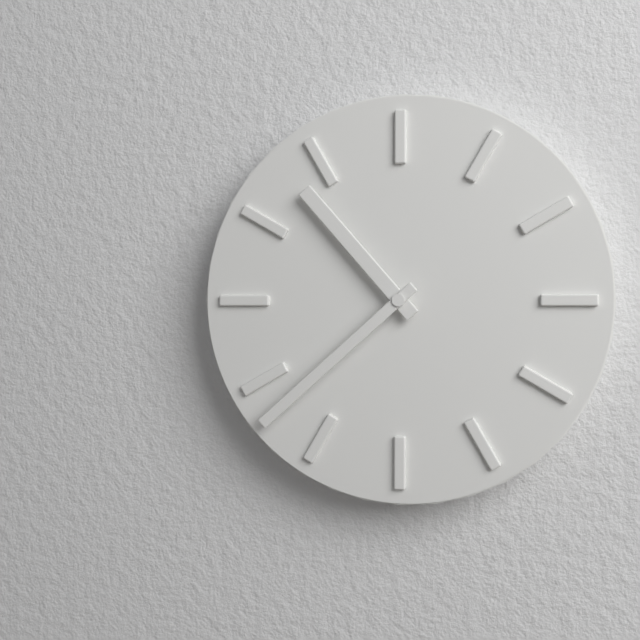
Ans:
h=10 m=38
